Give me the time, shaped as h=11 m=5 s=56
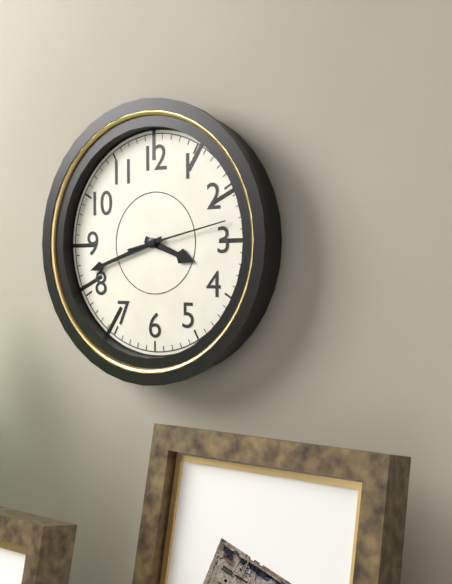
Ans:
h=3 m=42 s=13
